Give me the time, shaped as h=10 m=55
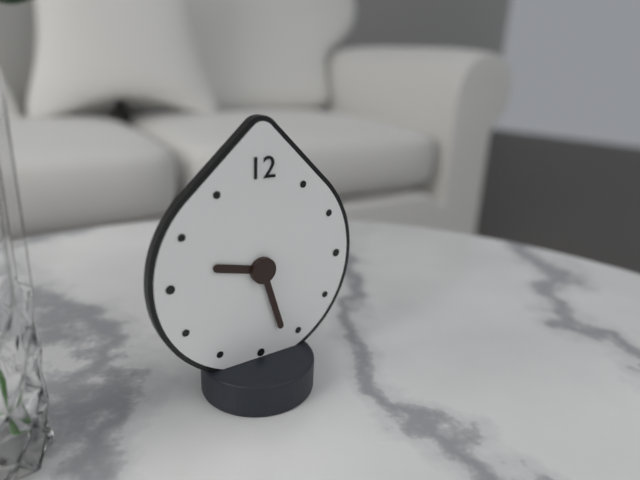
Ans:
h=9 m=27
